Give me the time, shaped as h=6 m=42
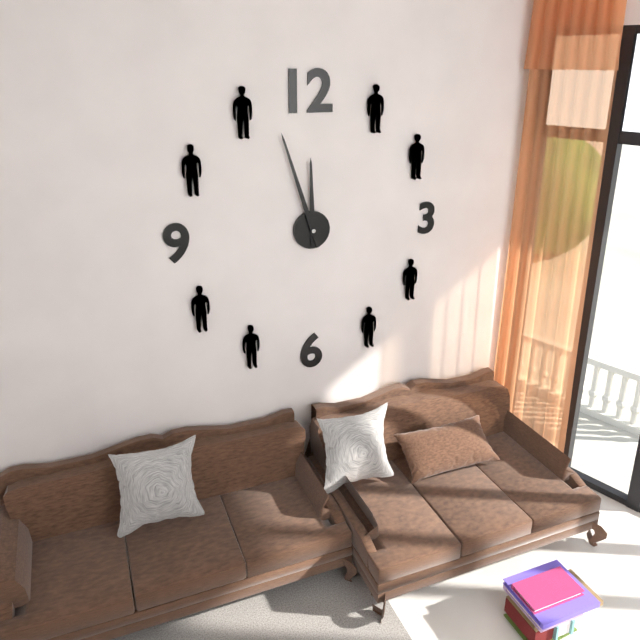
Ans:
h=11 m=57
